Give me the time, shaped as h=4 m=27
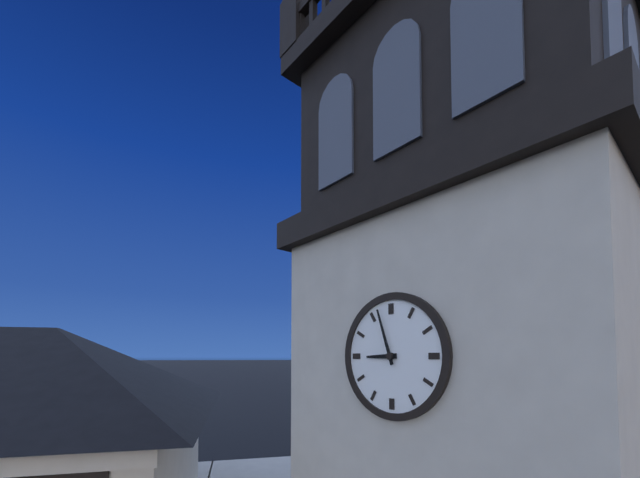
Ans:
h=8 m=57
